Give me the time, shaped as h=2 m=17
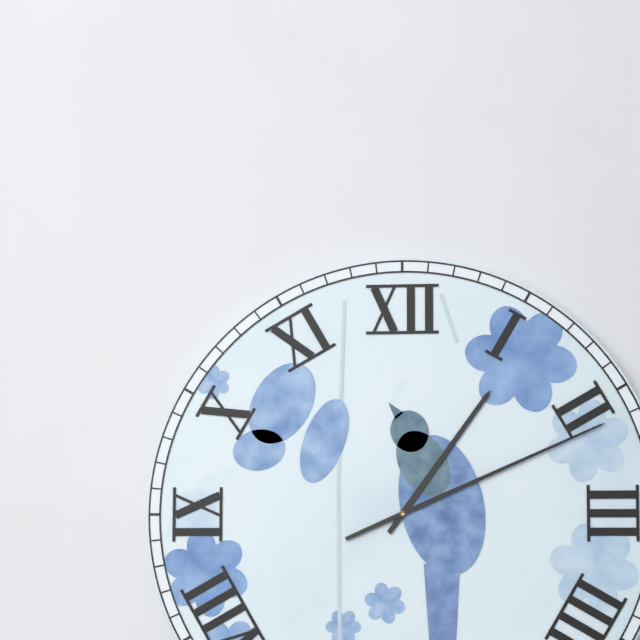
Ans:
h=1 m=11
